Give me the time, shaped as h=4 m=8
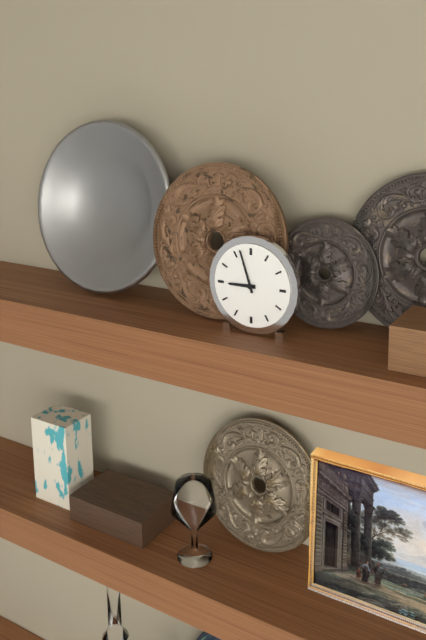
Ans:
h=8 m=57
